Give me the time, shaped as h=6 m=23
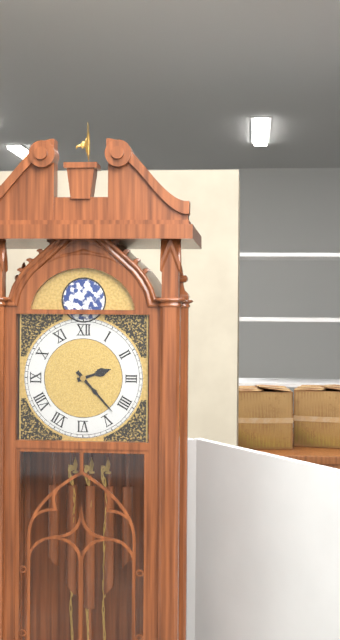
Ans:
h=2 m=23
